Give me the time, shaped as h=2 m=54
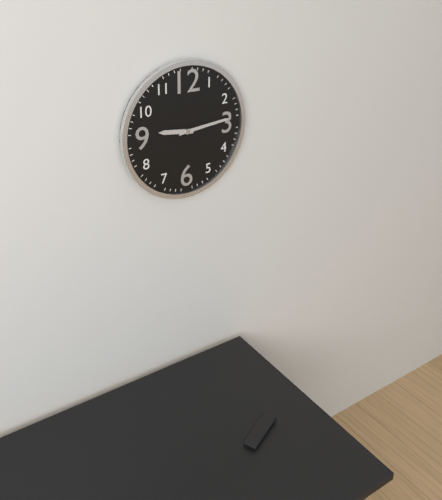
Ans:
h=9 m=14
